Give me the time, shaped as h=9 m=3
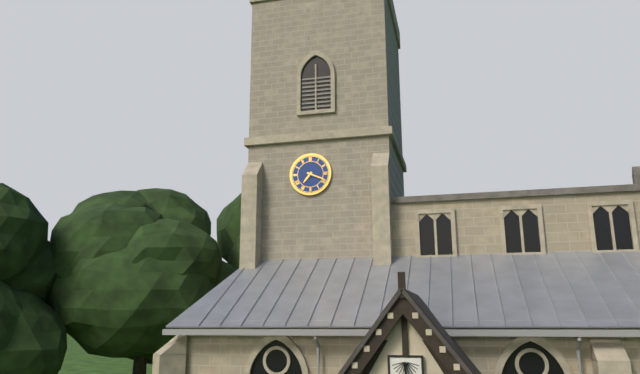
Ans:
h=7 m=19
